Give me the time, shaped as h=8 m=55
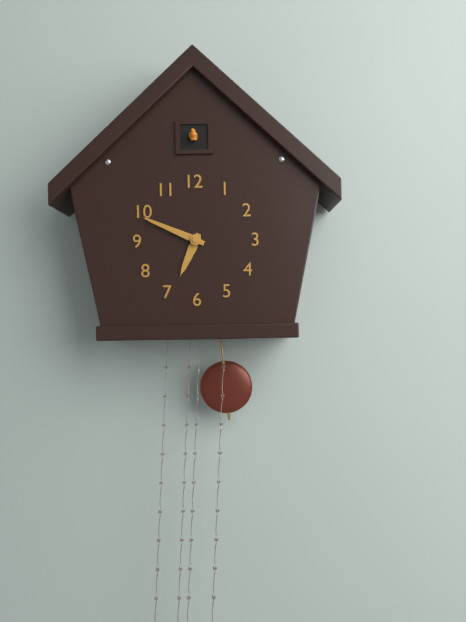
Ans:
h=6 m=49
